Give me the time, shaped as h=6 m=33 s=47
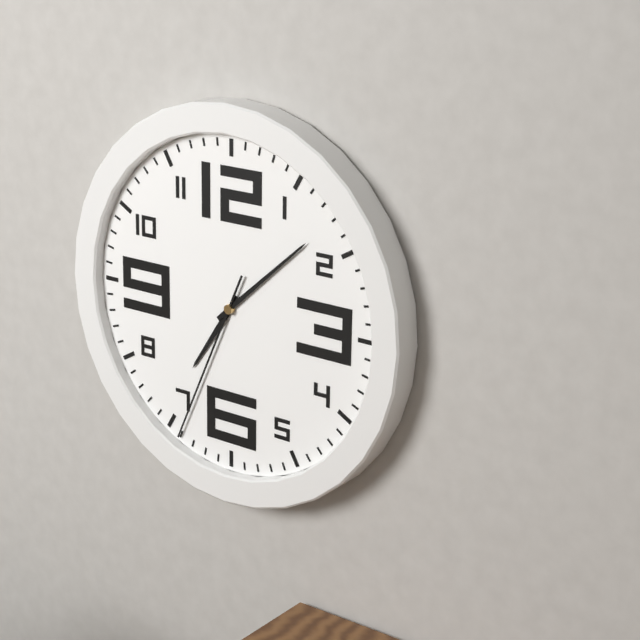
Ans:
h=7 m=8 s=34
